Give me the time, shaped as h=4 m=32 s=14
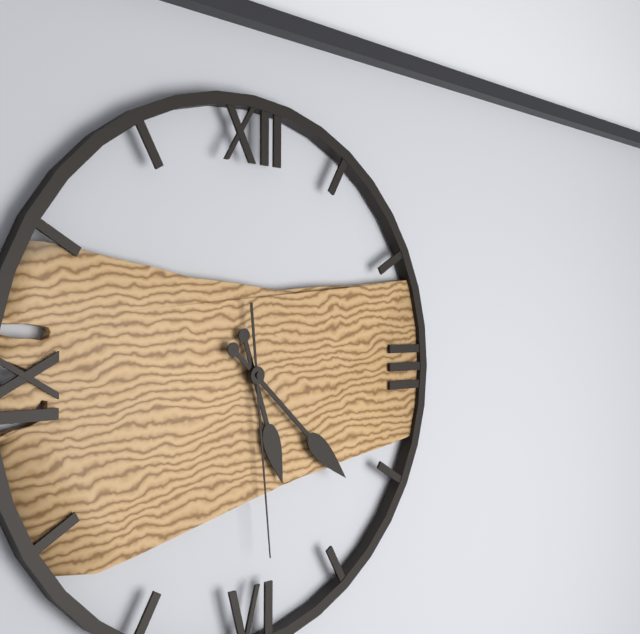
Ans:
h=5 m=22 s=29
